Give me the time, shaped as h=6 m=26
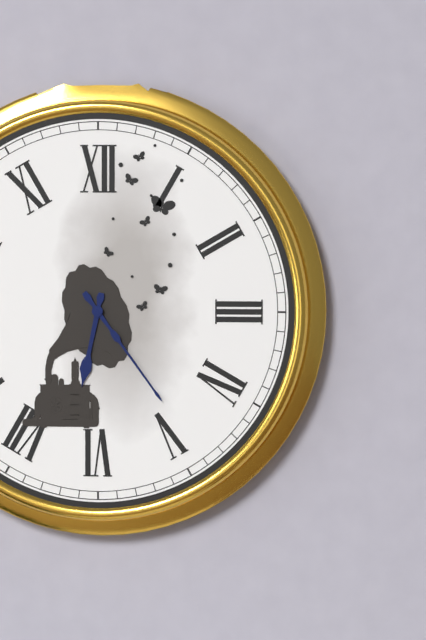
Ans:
h=6 m=24
